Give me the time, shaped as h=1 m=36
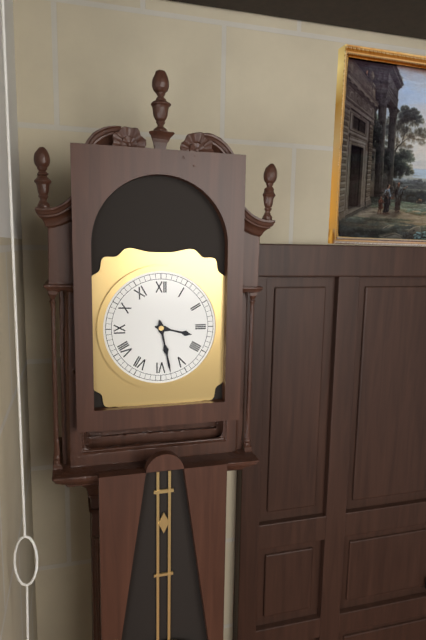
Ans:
h=3 m=28
